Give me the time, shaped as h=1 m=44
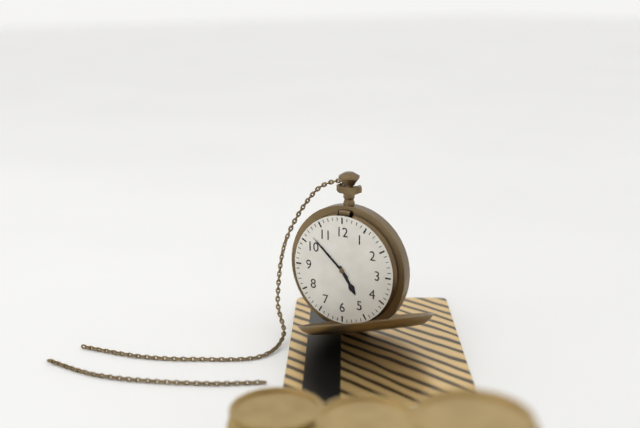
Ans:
h=4 m=52
